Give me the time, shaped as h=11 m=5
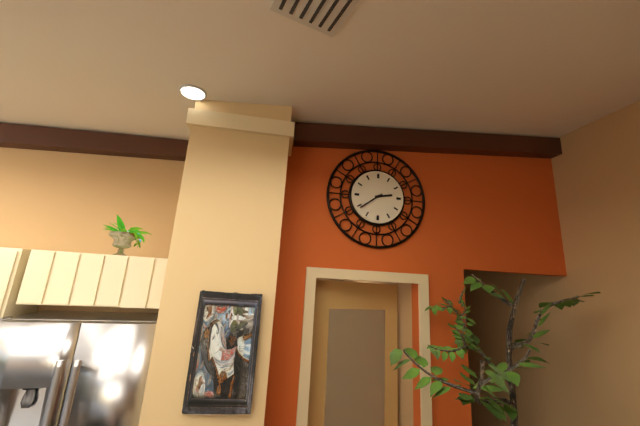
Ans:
h=2 m=39
